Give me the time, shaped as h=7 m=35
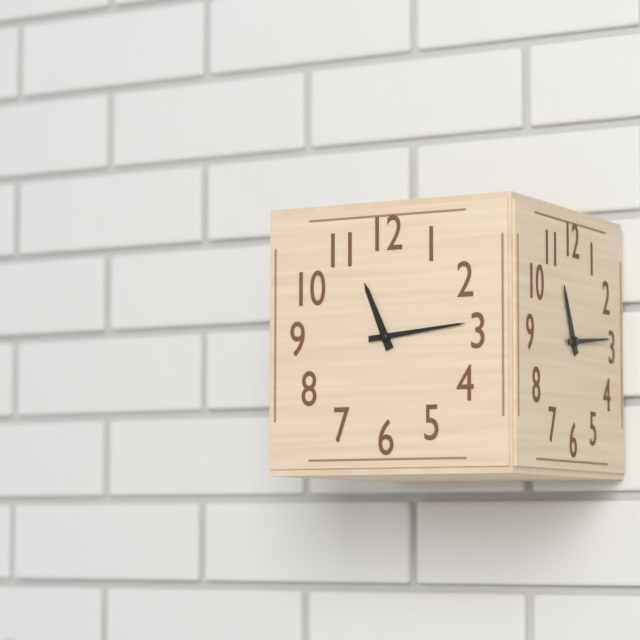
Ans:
h=11 m=14
